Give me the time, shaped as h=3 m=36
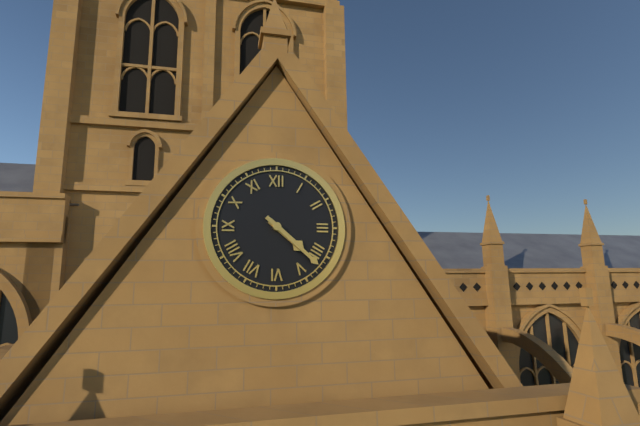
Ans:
h=4 m=22
